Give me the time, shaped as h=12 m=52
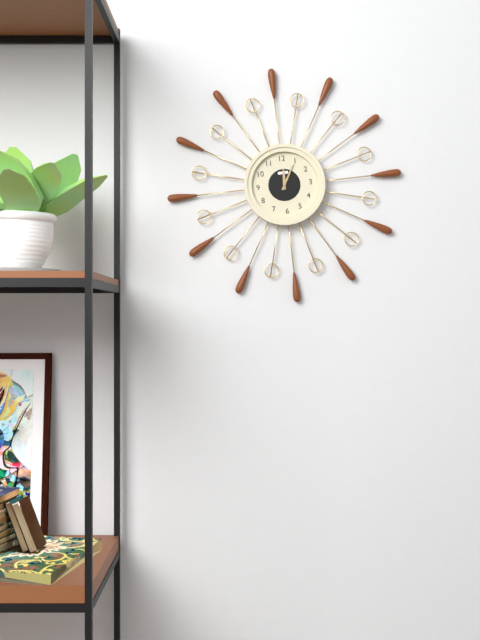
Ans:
h=12 m=5
